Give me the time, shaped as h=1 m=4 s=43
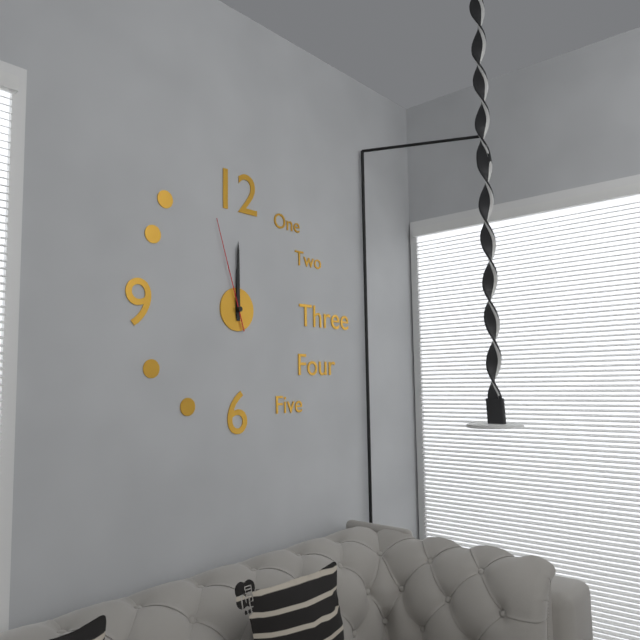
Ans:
h=12 m=0 s=57
